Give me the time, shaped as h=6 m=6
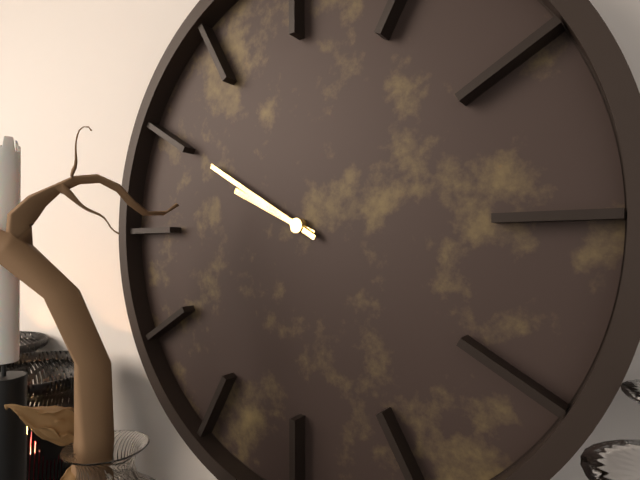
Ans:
h=9 m=50
